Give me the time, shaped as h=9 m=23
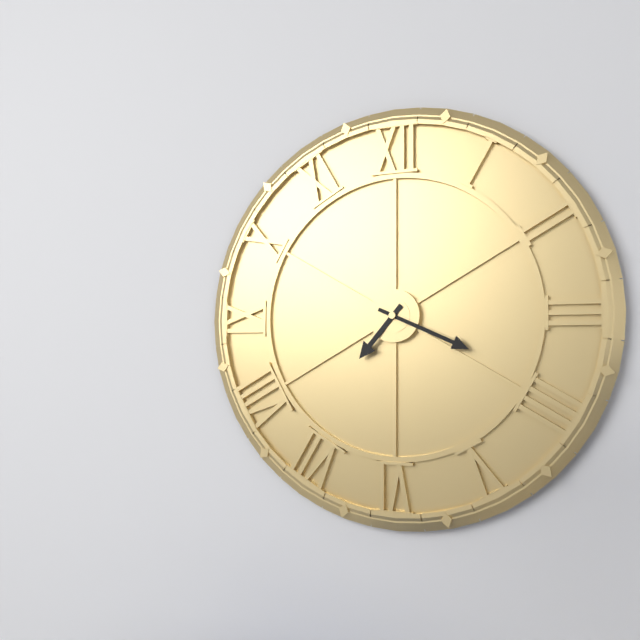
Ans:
h=7 m=19
